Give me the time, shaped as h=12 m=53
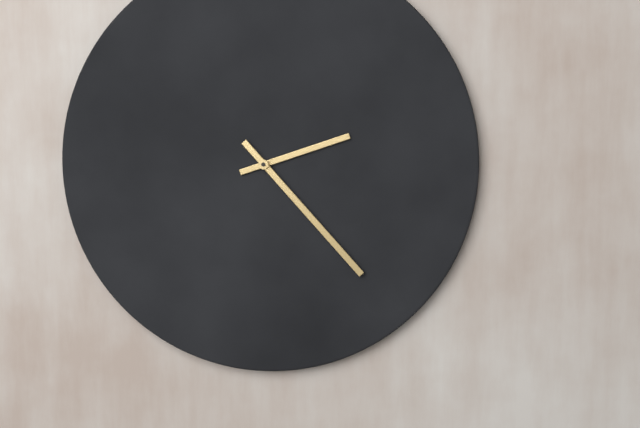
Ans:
h=2 m=23
